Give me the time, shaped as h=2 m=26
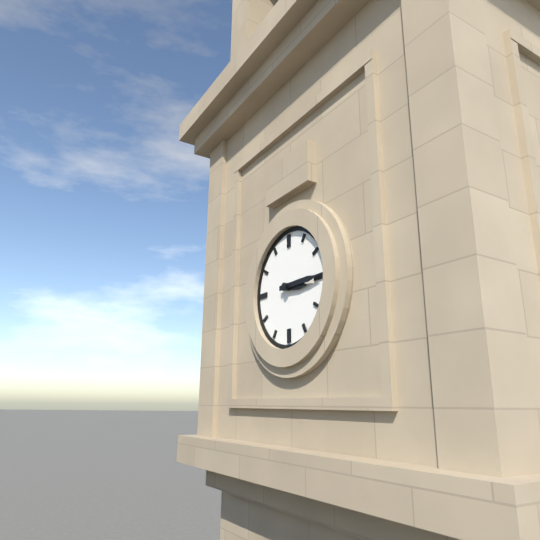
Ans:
h=3 m=15
